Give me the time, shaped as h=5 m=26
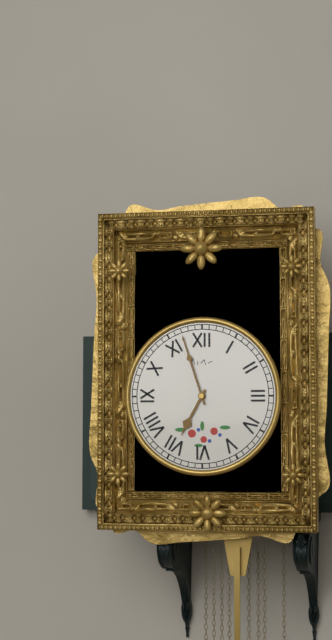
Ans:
h=6 m=57
